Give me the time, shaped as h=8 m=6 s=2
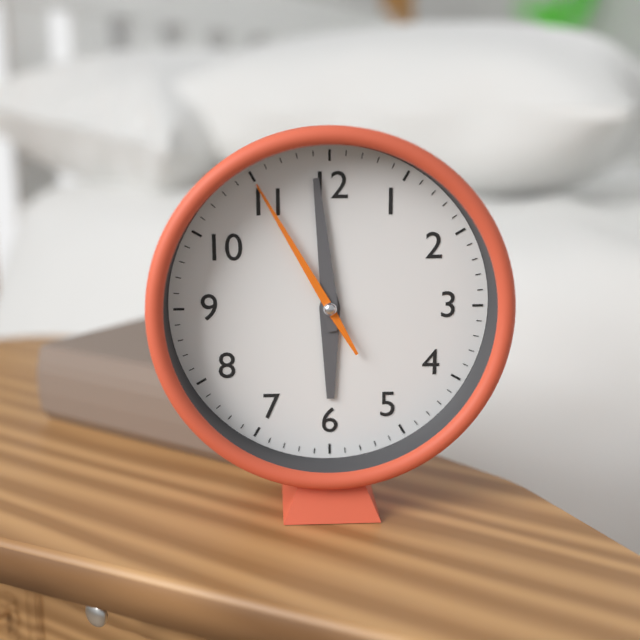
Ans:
h=5 m=59 s=55
